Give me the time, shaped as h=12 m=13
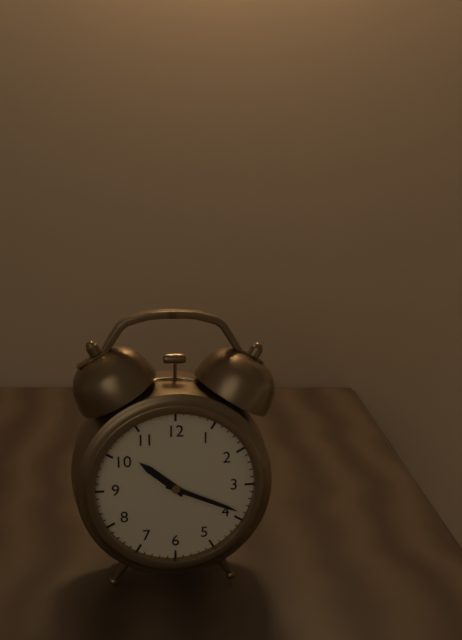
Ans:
h=10 m=19
